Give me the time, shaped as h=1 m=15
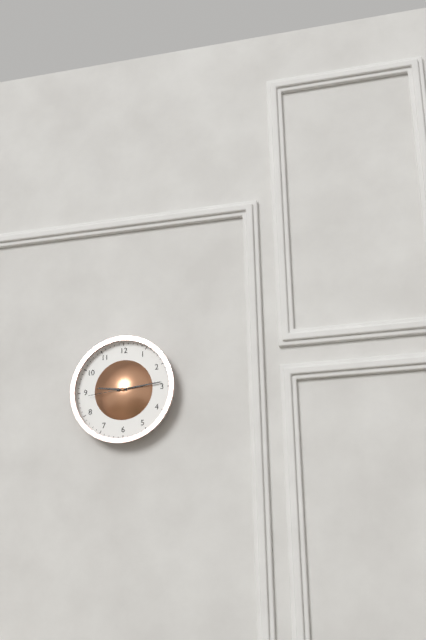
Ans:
h=9 m=14
